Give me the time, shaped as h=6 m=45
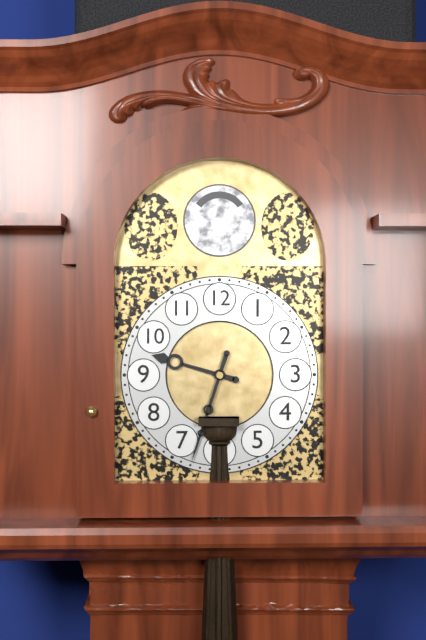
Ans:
h=9 m=33
